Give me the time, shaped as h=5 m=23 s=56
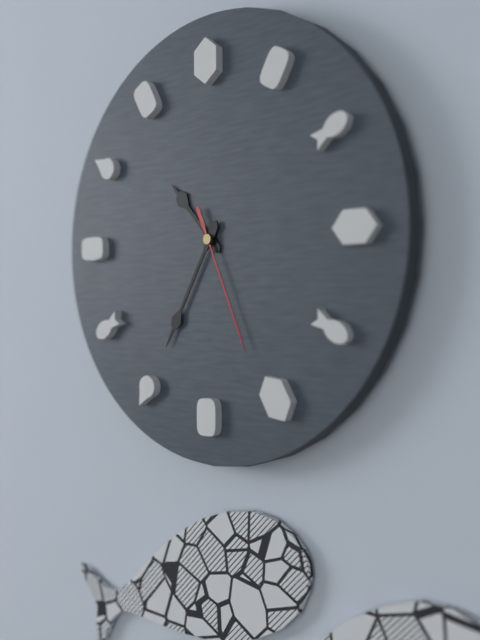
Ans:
h=10 m=35 s=26
